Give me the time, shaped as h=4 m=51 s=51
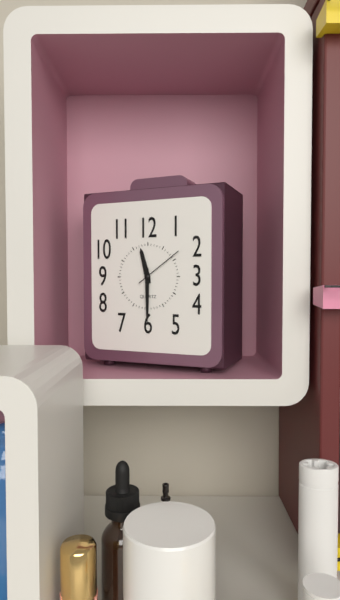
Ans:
h=11 m=30 s=9
